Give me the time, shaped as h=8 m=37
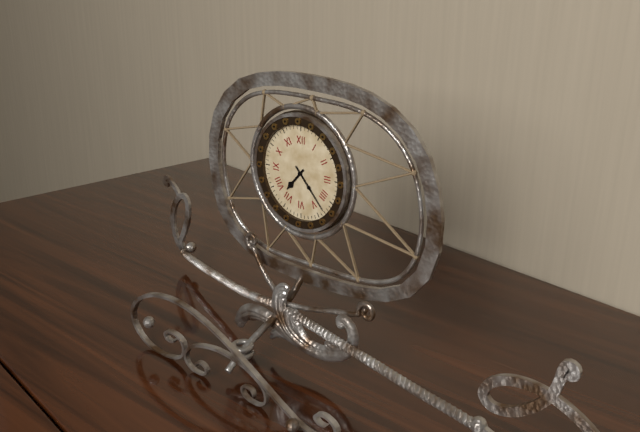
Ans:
h=7 m=23
